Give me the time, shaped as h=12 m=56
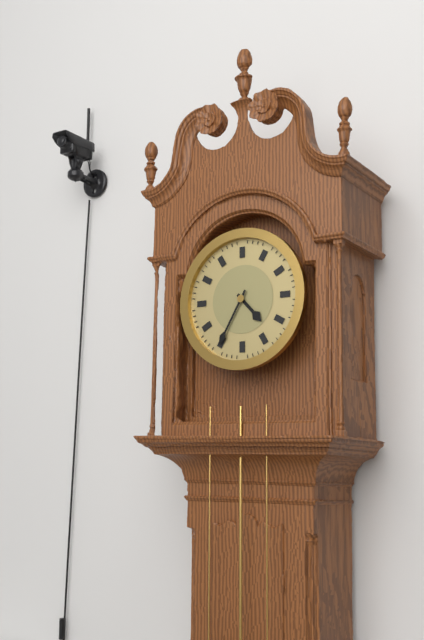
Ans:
h=4 m=35
